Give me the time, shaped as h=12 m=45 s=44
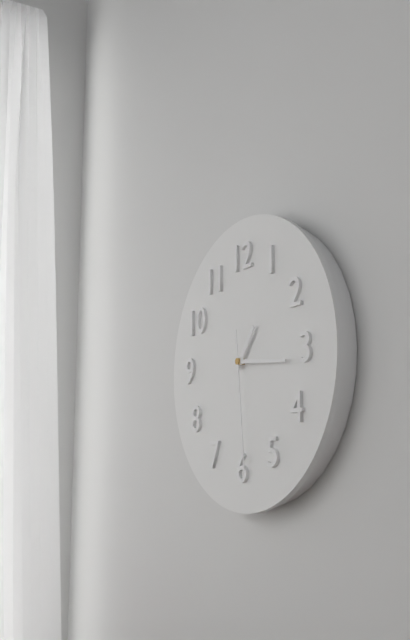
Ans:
h=1 m=16 s=29
